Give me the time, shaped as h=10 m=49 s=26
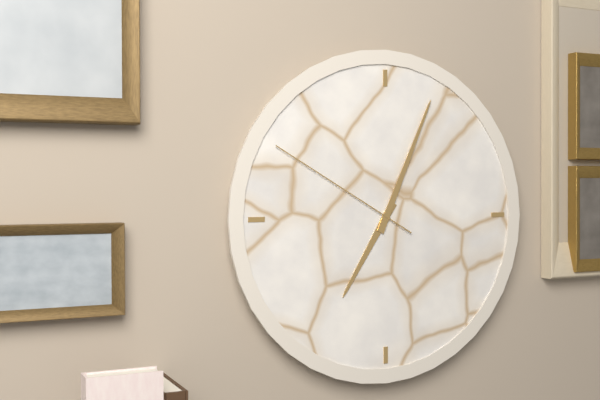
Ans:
h=7 m=4 s=50
